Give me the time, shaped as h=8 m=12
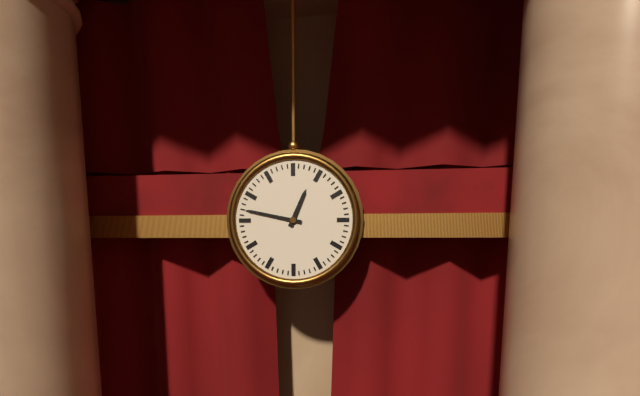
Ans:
h=12 m=47
